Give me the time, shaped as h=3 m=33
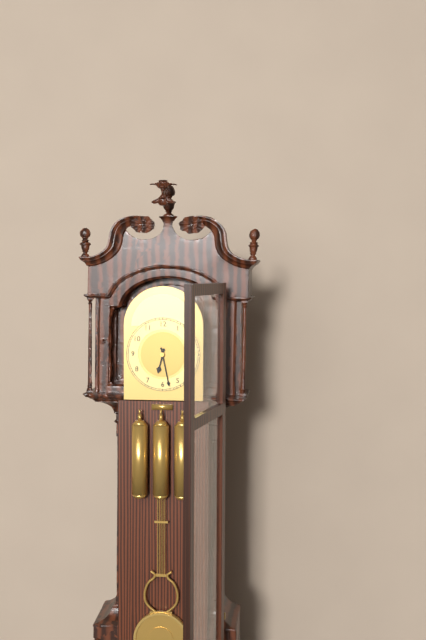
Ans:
h=6 m=28
